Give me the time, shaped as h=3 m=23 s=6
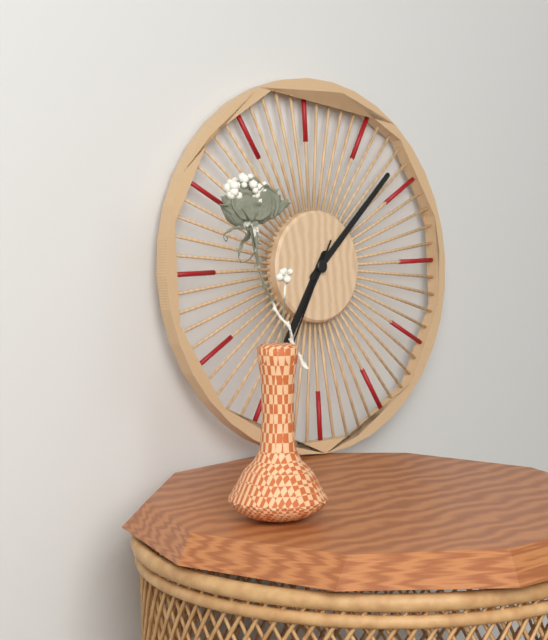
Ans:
h=7 m=8 s=35
